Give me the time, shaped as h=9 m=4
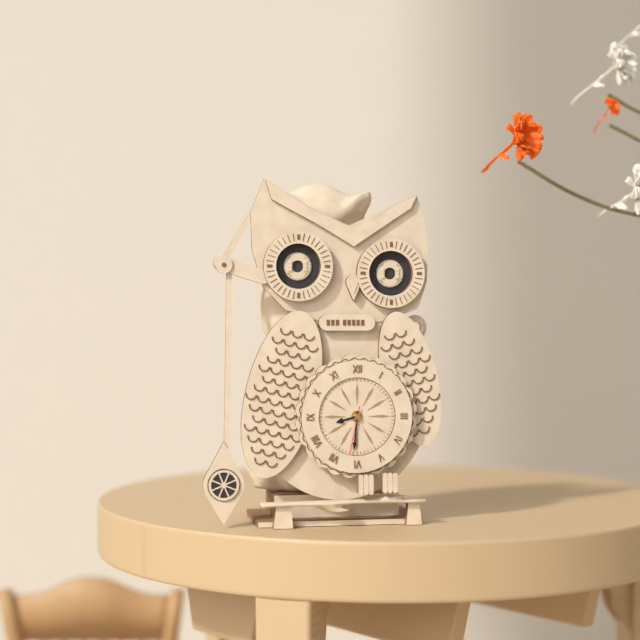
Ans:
h=8 m=31
